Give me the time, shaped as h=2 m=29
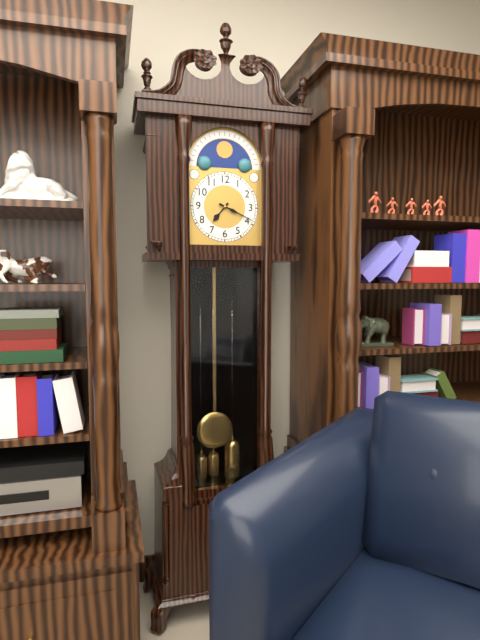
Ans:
h=7 m=19
